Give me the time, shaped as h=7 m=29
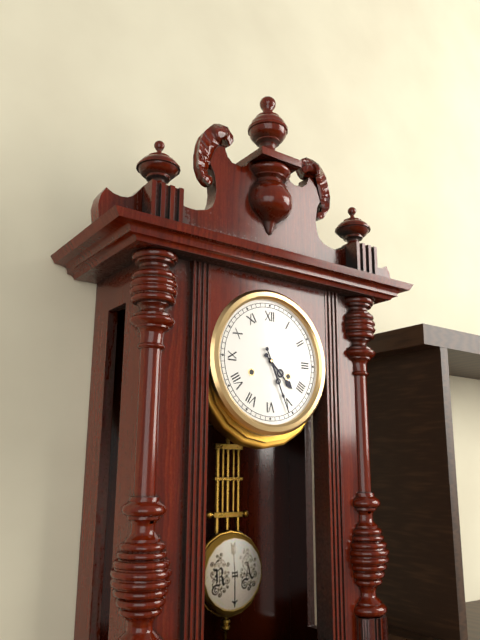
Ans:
h=4 m=26
